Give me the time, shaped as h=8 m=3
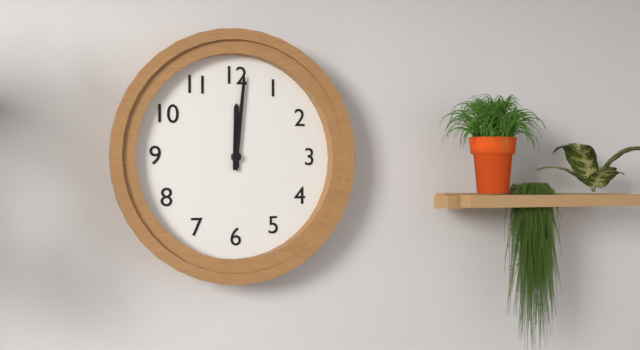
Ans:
h=12 m=1
